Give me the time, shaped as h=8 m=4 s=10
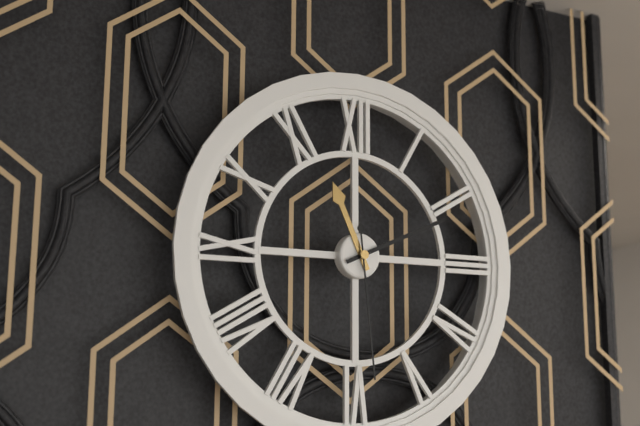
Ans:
h=11 m=11 s=29
